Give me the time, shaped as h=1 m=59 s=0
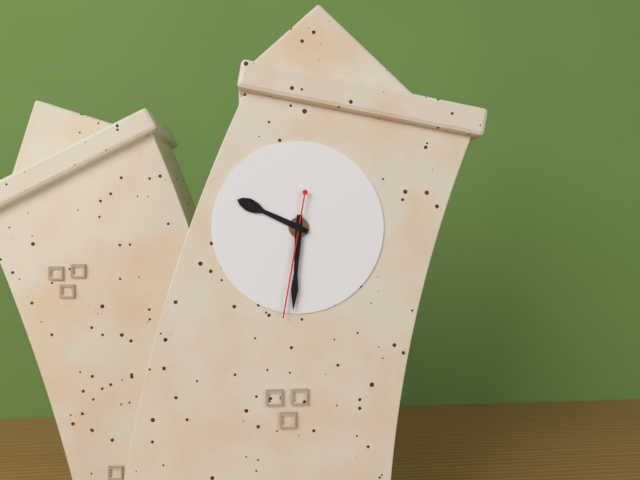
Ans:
h=9 m=29 s=30
